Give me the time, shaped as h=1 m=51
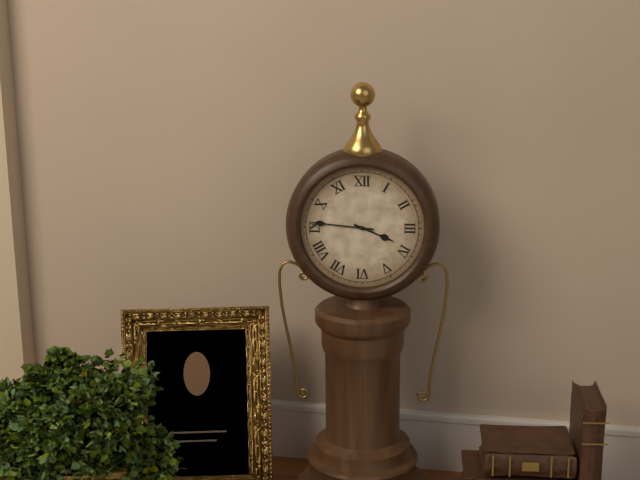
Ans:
h=3 m=46
